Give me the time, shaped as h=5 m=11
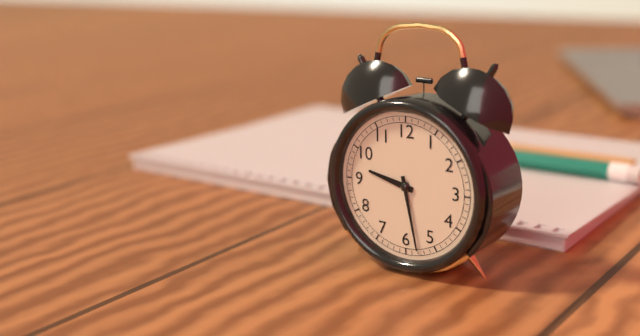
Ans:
h=9 m=28
